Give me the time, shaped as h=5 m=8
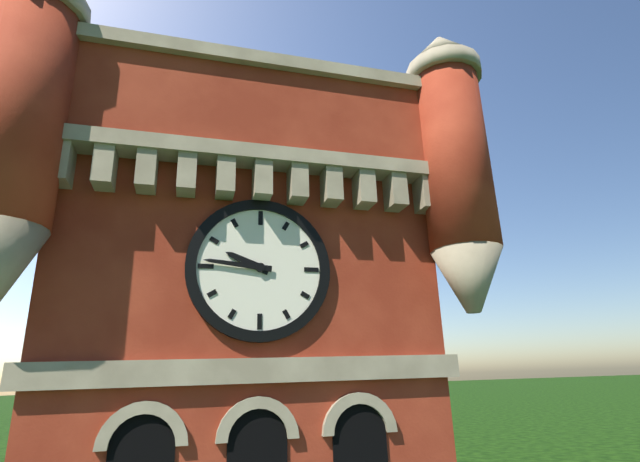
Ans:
h=9 m=46
